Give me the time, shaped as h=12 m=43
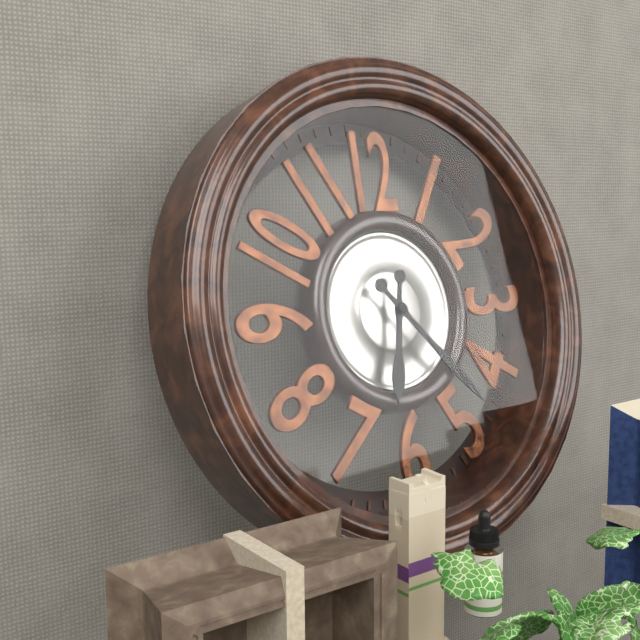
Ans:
h=6 m=23
